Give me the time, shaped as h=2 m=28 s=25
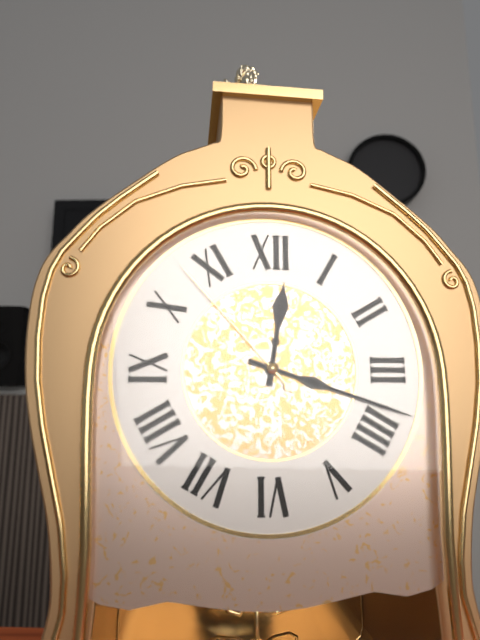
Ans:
h=12 m=18 s=53
